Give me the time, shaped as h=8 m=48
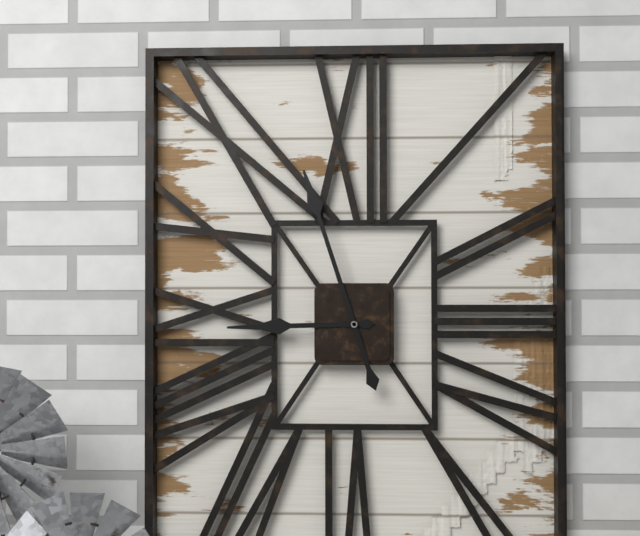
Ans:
h=8 m=57
